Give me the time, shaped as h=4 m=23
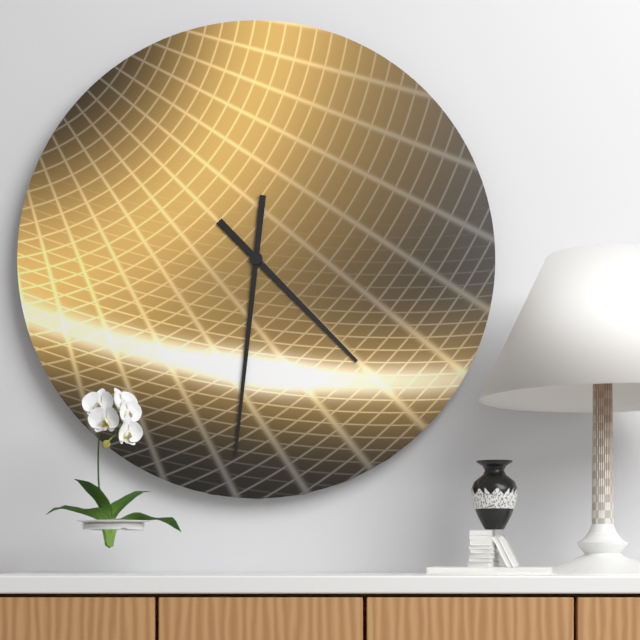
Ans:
h=4 m=31
